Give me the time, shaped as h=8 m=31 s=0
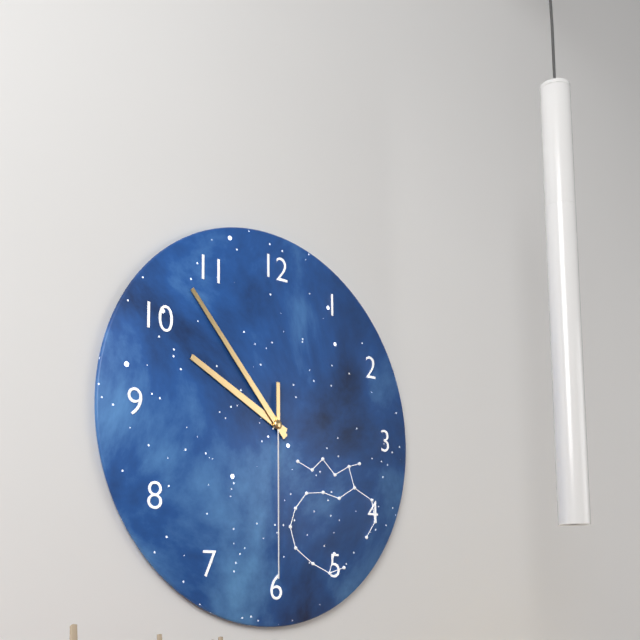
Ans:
h=9 m=53 s=30
